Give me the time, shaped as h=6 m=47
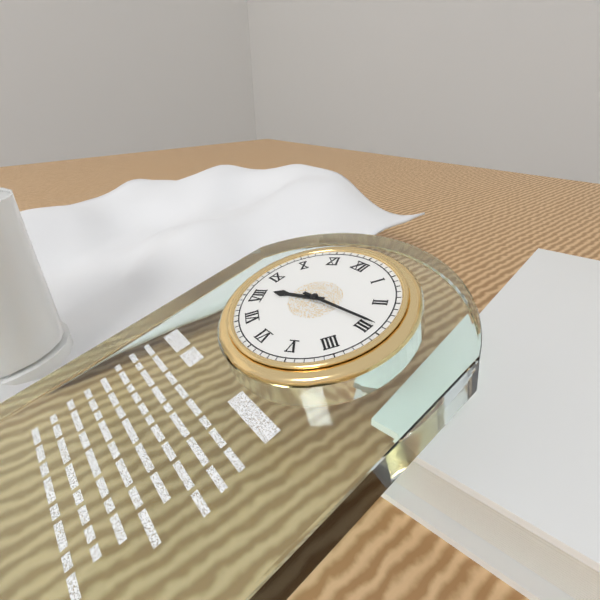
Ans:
h=8 m=14
